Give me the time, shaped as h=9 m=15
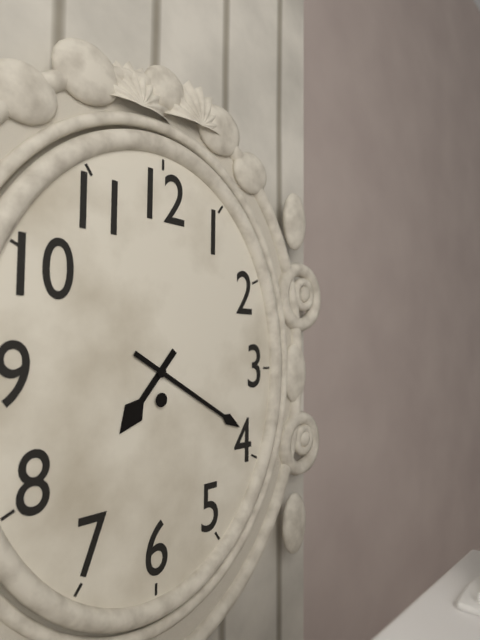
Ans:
h=7 m=20
